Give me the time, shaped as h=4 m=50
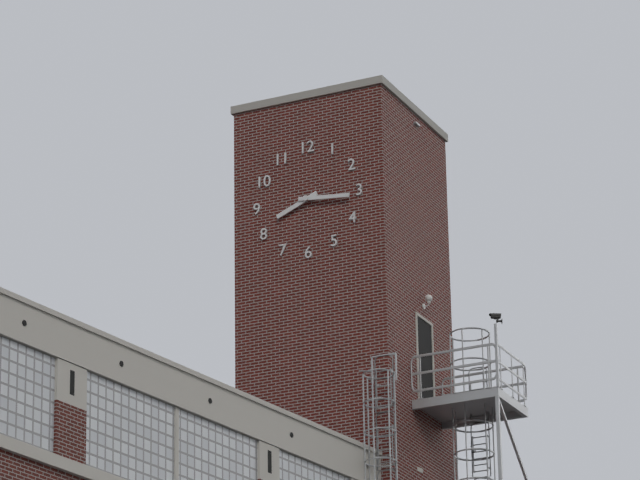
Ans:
h=8 m=16
